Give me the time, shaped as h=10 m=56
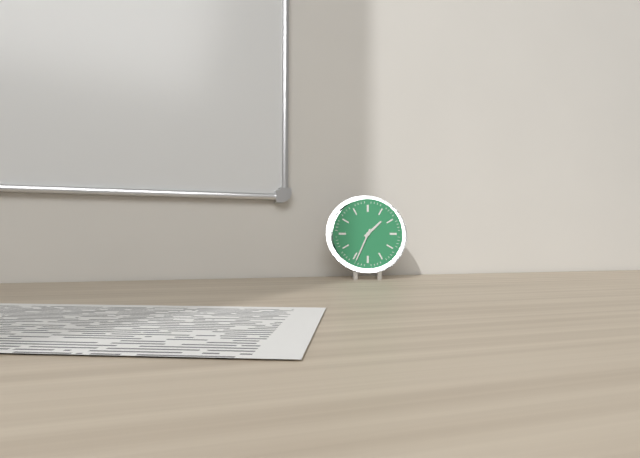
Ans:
h=1 m=34
